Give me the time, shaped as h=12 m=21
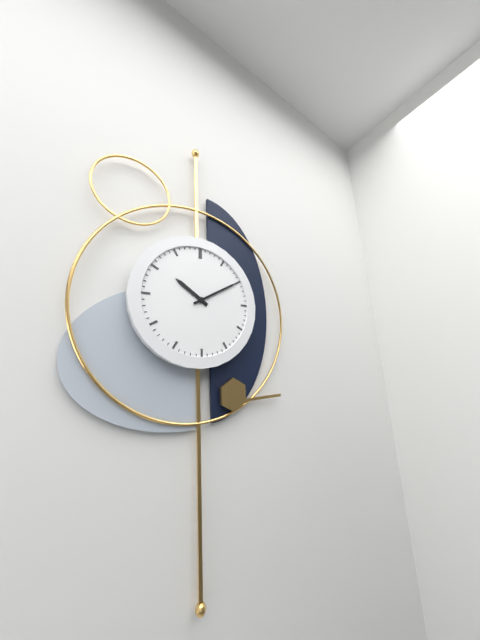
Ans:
h=10 m=10
